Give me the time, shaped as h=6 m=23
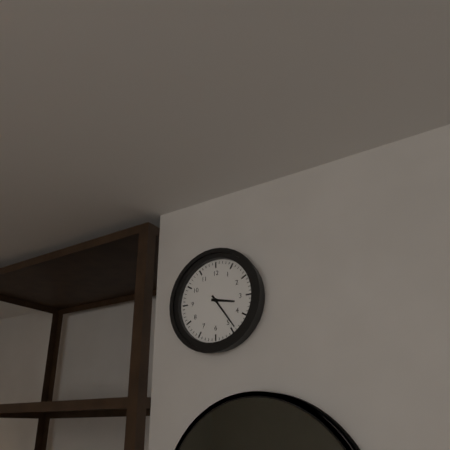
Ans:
h=3 m=24
